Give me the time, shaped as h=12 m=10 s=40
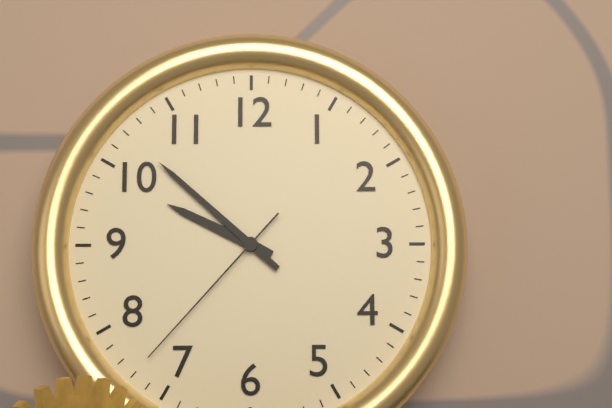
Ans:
h=9 m=52 s=37
